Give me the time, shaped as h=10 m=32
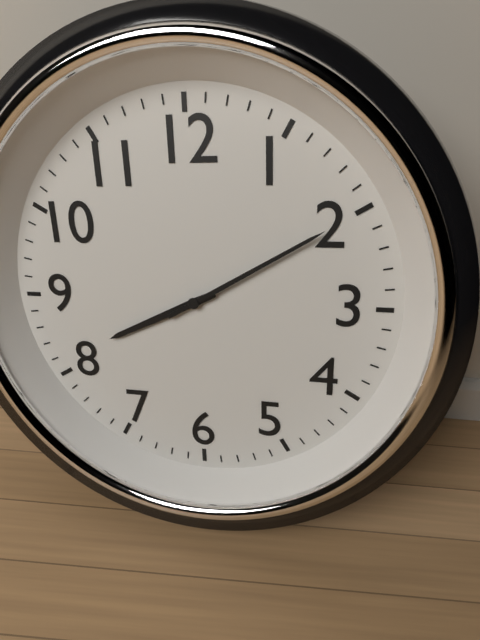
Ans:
h=8 m=10
